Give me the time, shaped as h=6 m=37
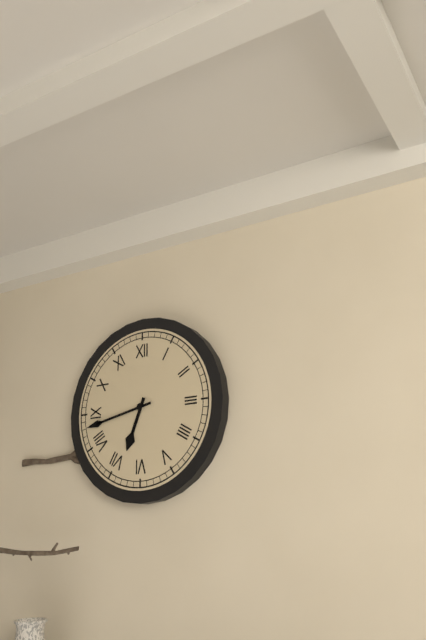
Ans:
h=6 m=43
